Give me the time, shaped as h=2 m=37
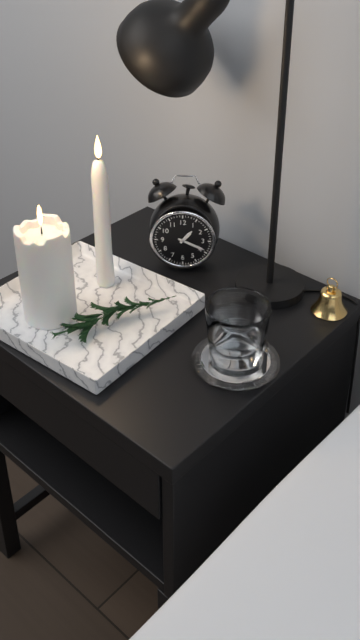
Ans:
h=1 m=19
